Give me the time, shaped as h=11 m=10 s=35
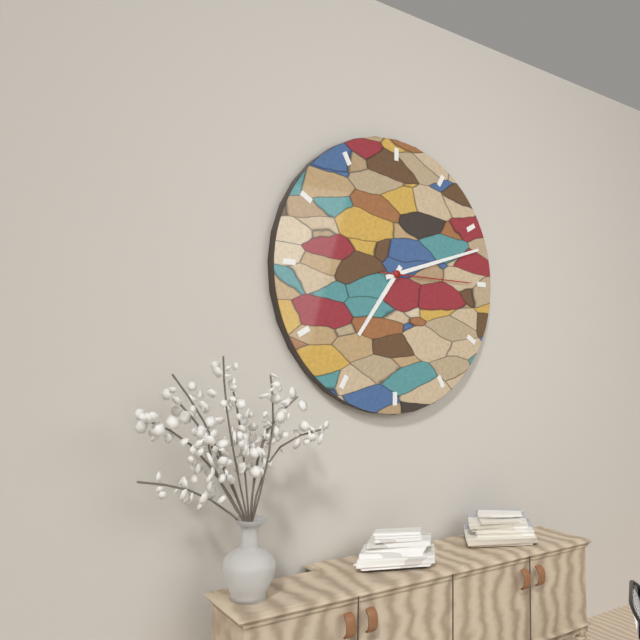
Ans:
h=7 m=12 s=15
